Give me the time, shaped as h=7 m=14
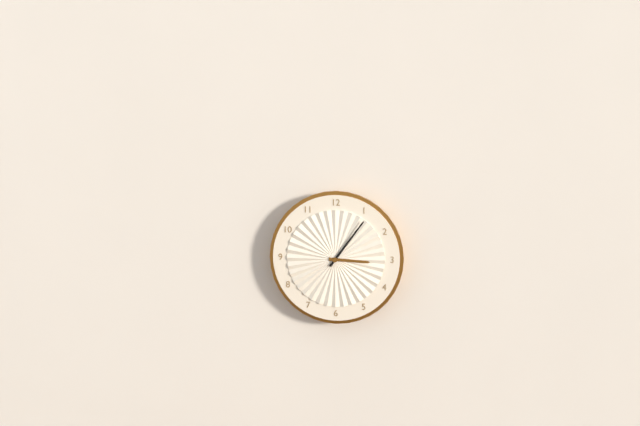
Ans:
h=3 m=6
